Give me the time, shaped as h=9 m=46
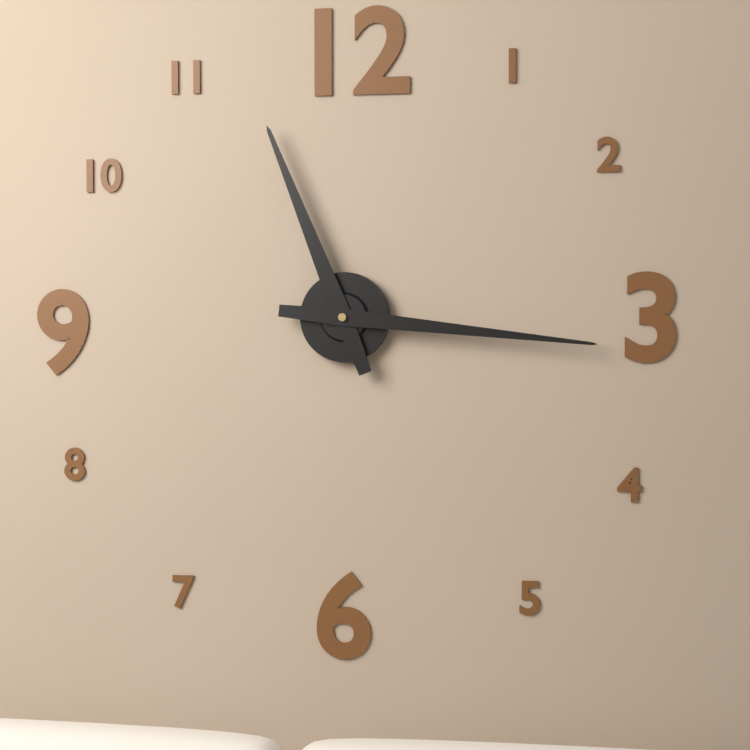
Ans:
h=11 m=16
